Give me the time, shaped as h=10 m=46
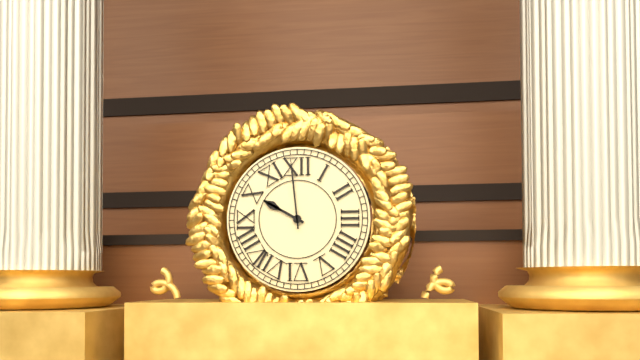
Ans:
h=9 m=59
